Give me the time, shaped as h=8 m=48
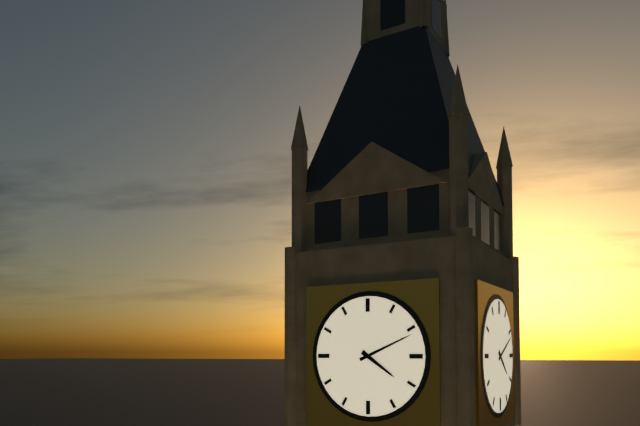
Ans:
h=4 m=11
